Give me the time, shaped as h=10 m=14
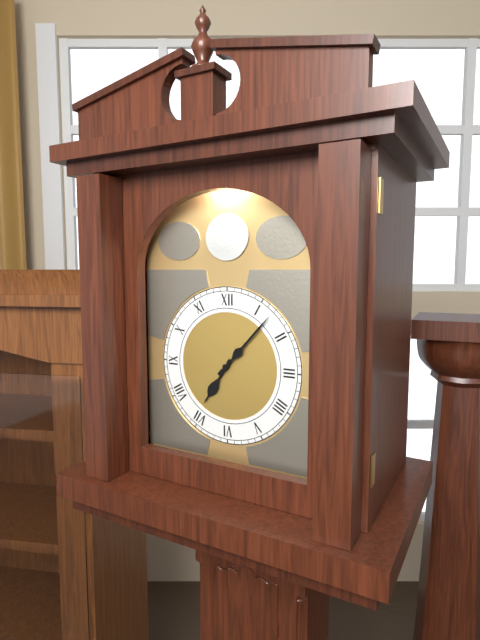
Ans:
h=7 m=7
